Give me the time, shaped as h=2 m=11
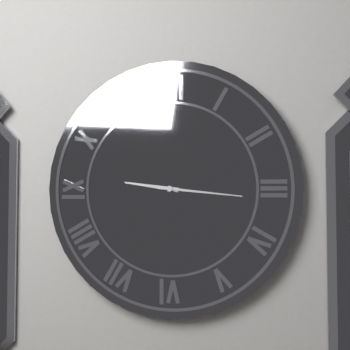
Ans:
h=9 m=16
